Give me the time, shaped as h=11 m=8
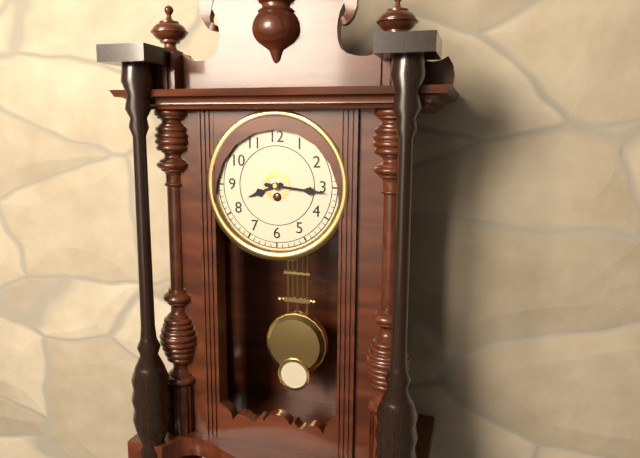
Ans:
h=8 m=16
